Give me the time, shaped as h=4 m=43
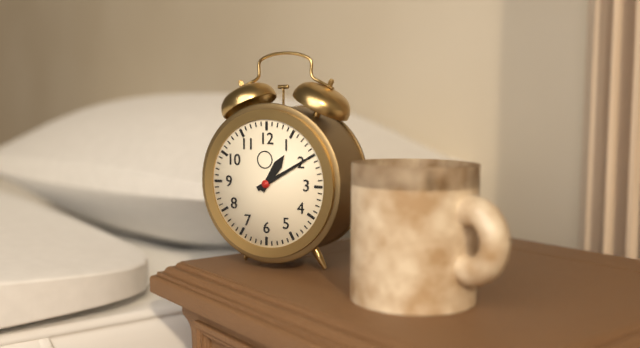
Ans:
h=1 m=10
